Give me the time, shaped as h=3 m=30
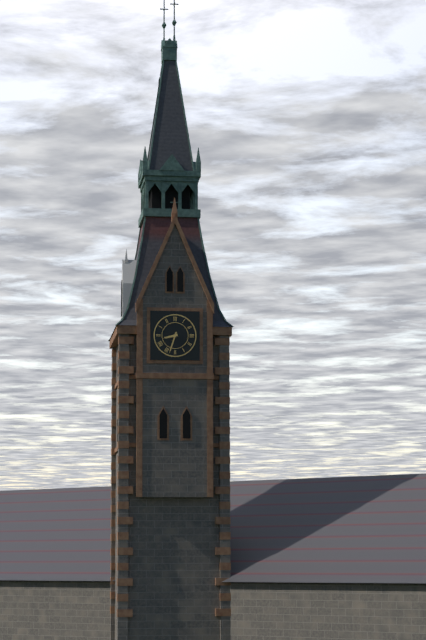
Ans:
h=8 m=33
